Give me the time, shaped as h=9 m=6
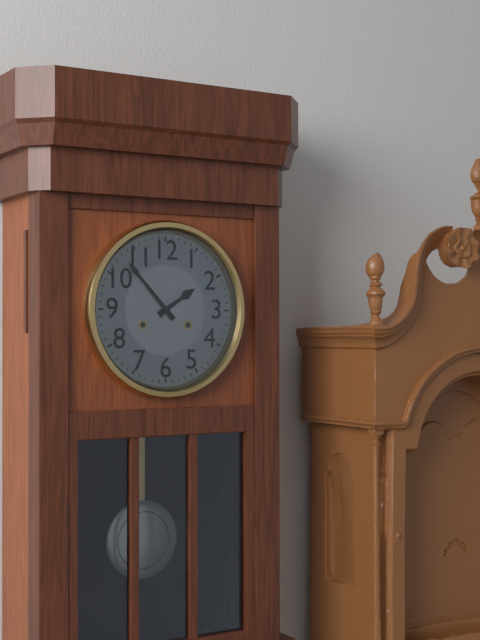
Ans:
h=1 m=53
